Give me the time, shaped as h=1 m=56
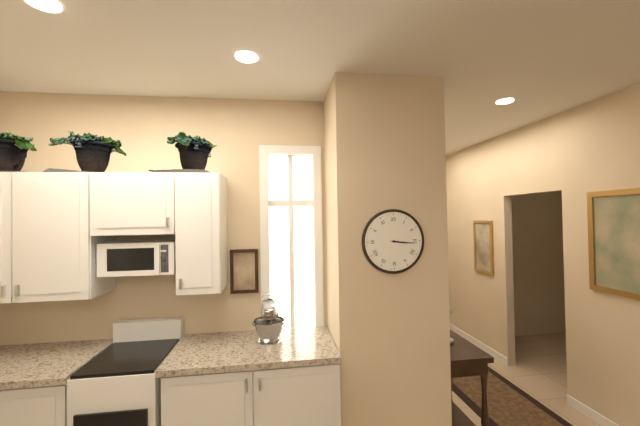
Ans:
h=3 m=16
